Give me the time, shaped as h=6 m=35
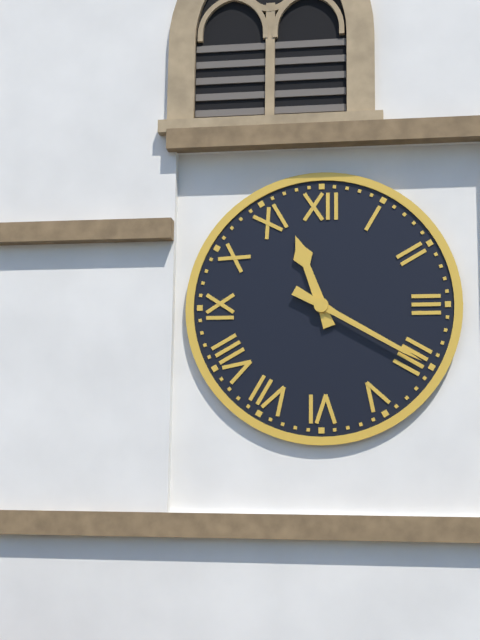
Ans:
h=11 m=20
